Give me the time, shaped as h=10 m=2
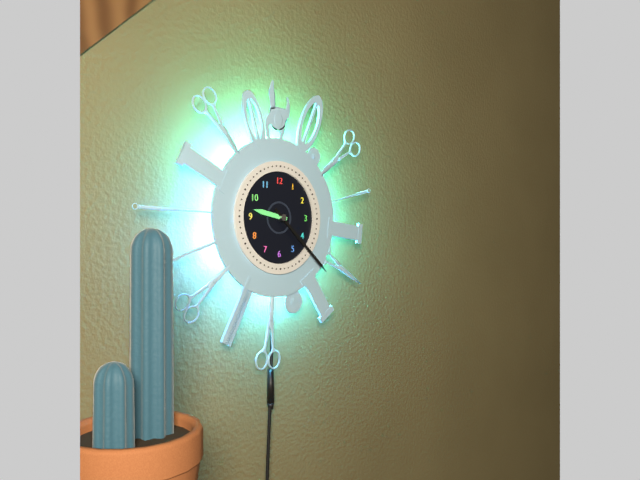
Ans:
h=9 m=22
